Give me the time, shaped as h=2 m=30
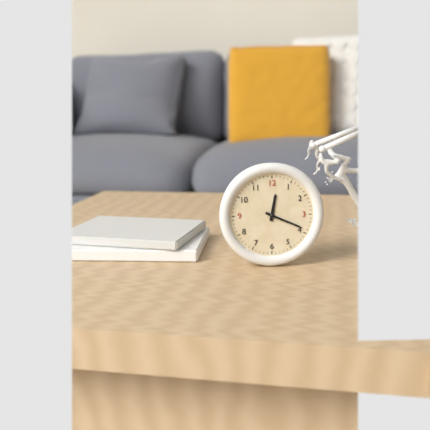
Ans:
h=12 m=19
